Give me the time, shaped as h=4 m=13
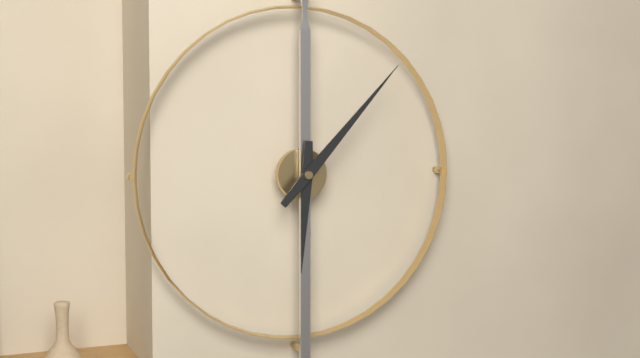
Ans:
h=6 m=7
